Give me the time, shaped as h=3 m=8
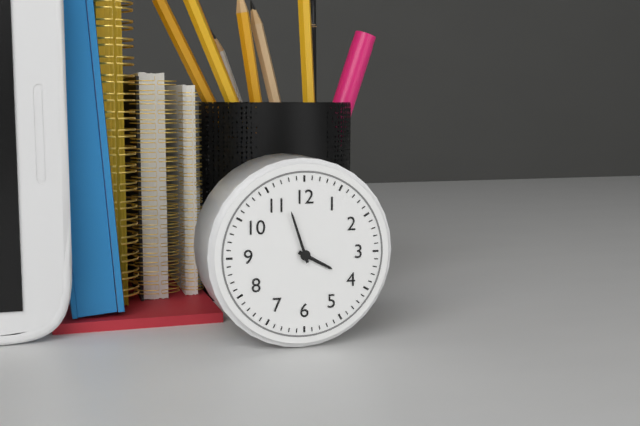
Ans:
h=3 m=57
